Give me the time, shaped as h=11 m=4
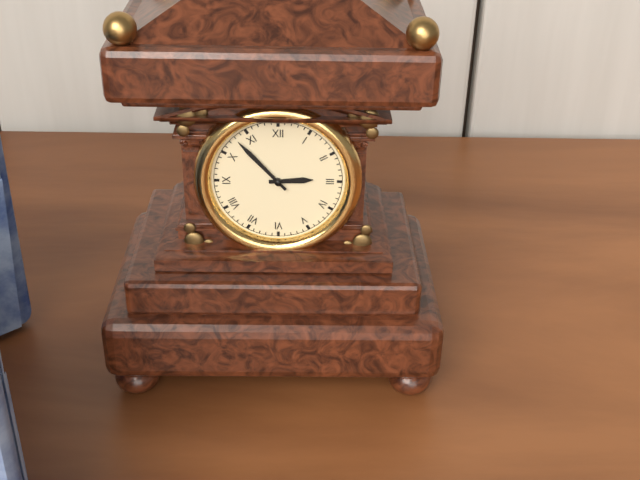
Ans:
h=2 m=53
